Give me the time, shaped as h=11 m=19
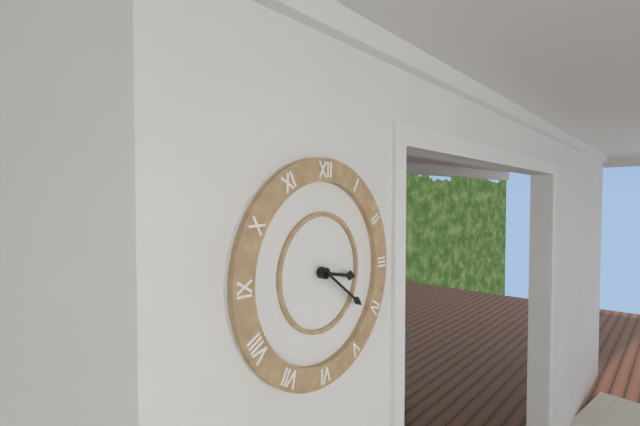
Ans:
h=3 m=21
